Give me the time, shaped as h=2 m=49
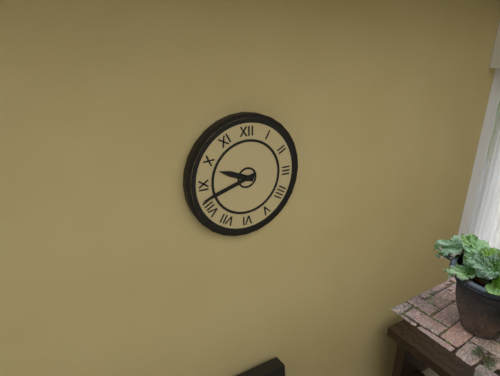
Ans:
h=9 m=42
